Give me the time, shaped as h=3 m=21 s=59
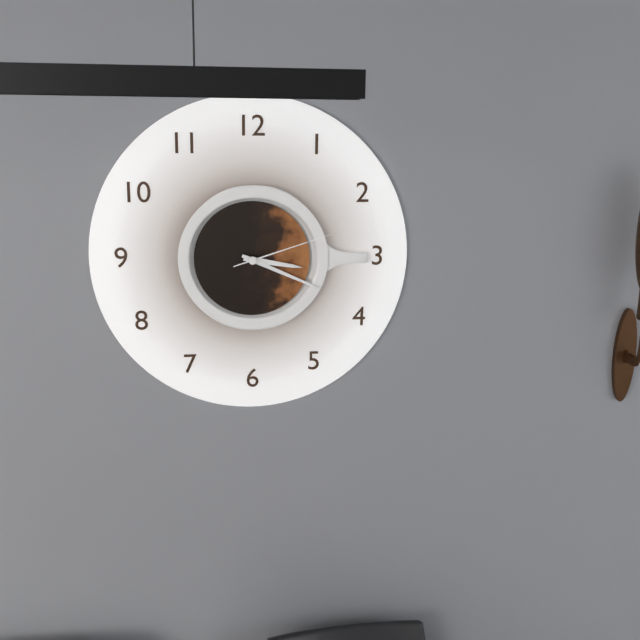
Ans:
h=3 m=19 s=12
